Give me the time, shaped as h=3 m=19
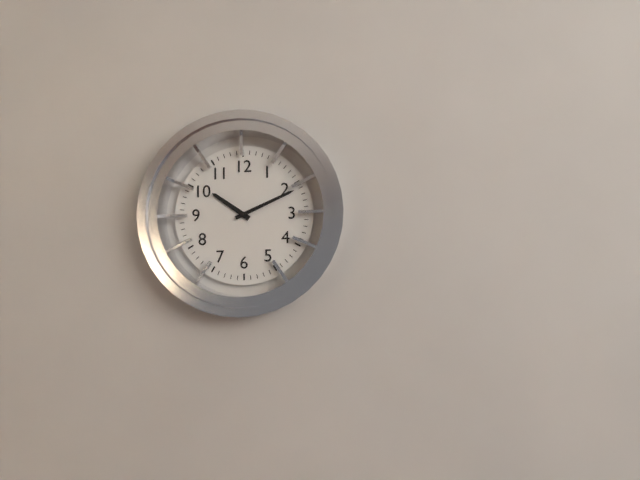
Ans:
h=10 m=11
